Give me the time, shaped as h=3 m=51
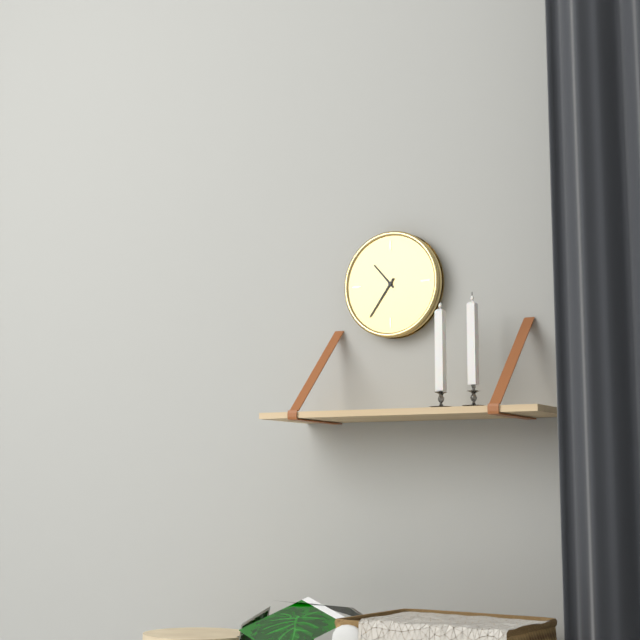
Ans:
h=10 m=36
